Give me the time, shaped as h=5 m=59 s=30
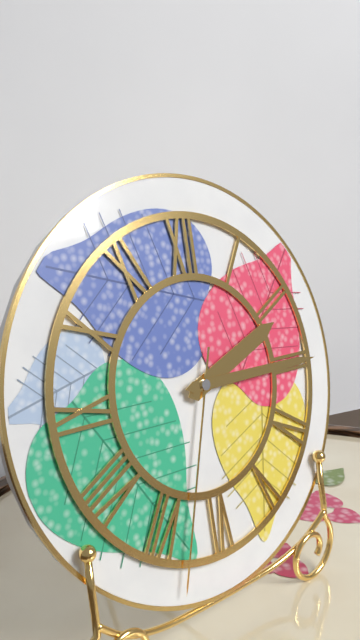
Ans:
h=2 m=15 s=33
